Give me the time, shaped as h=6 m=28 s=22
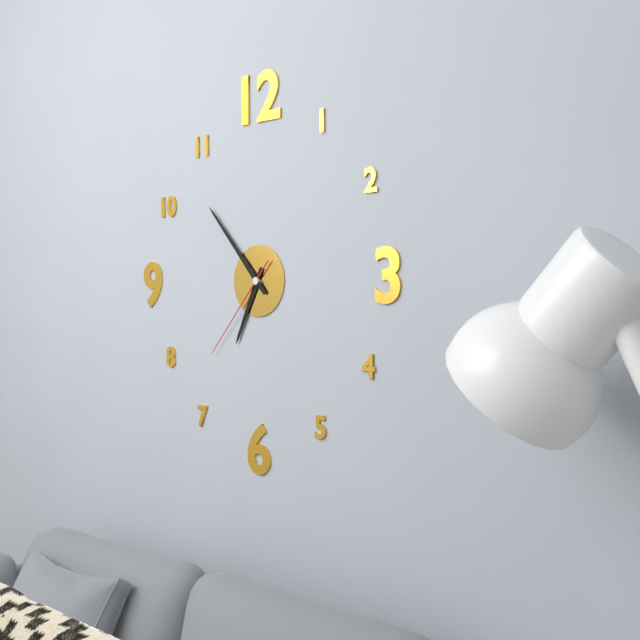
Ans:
h=6 m=53 s=37
